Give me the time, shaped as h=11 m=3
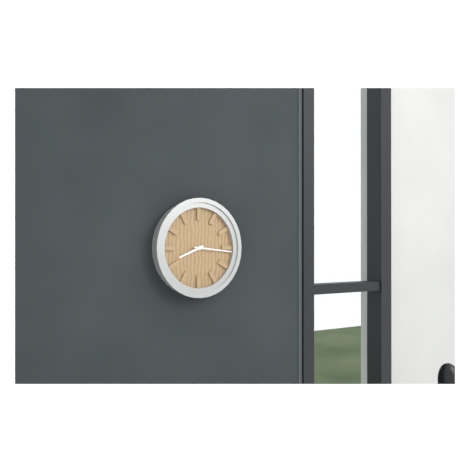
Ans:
h=8 m=16
